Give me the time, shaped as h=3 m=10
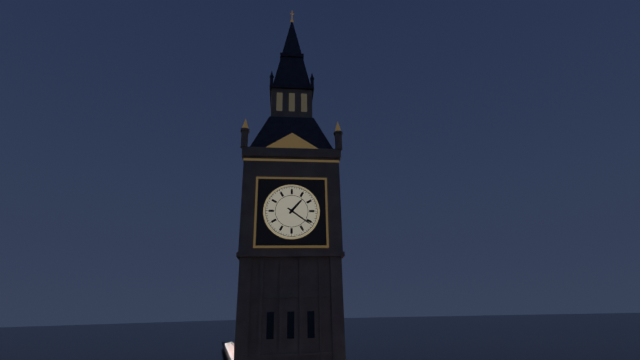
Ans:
h=1 m=21
